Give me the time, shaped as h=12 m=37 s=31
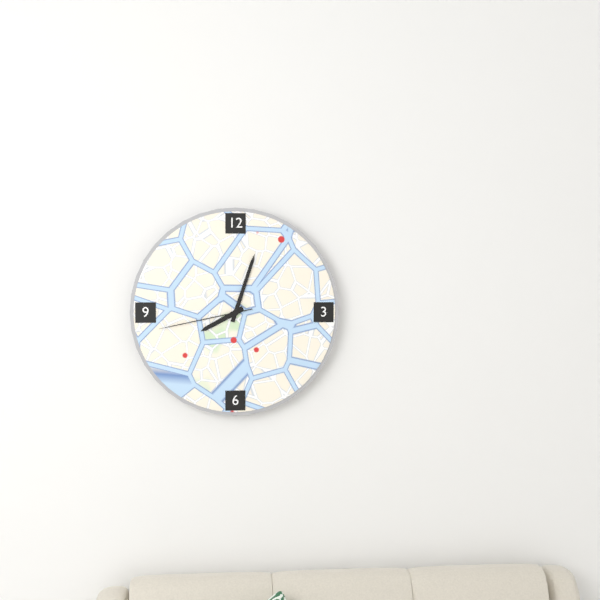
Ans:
h=8 m=3 s=43
